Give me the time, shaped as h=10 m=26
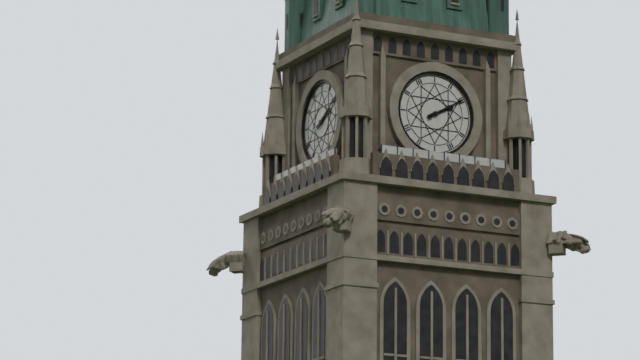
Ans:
h=2 m=10
